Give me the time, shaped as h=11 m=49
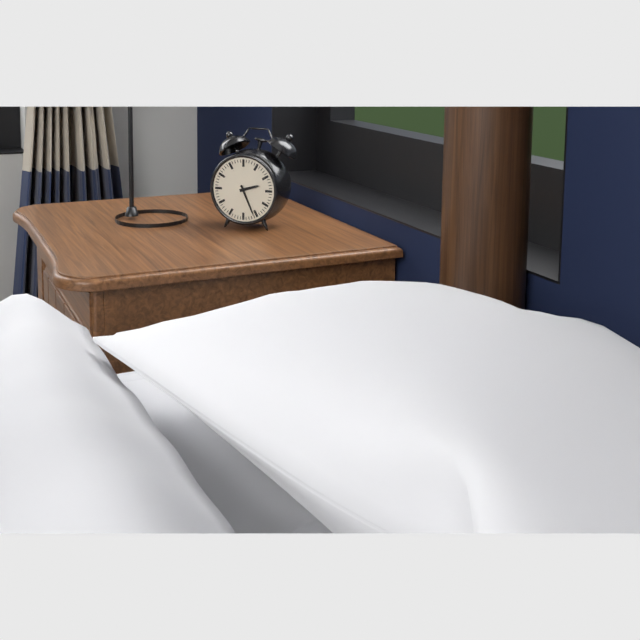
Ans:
h=2 m=26
